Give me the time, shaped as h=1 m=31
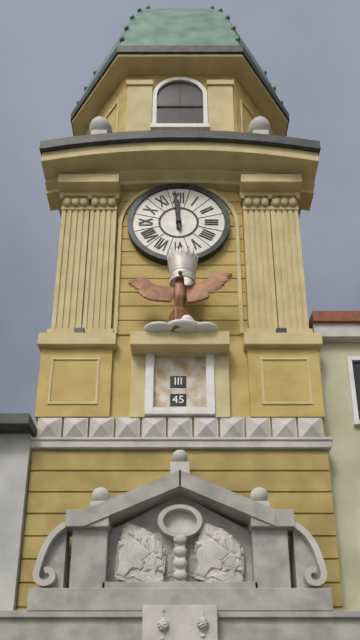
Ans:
h=11 m=59
